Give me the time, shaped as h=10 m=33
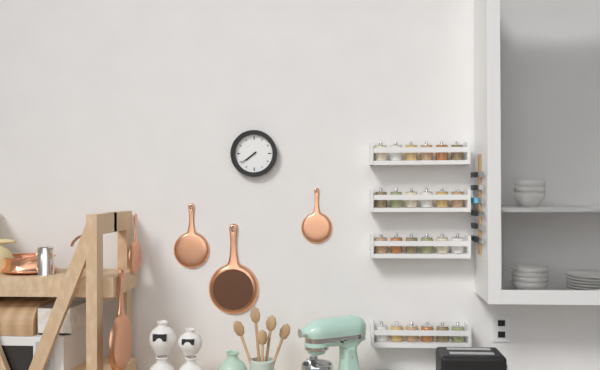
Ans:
h=7 m=39
